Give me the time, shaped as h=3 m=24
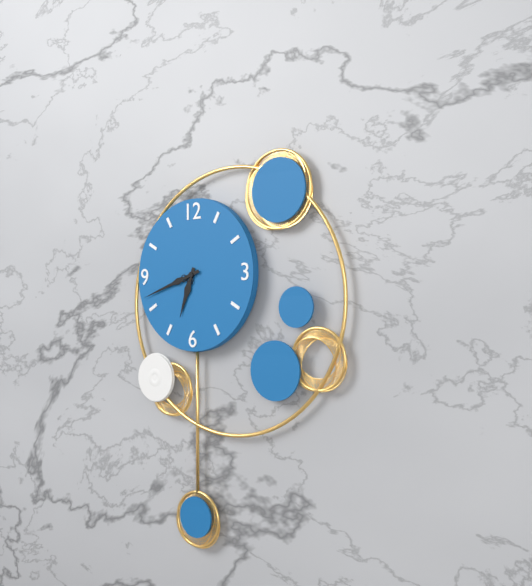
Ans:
h=6 m=42
